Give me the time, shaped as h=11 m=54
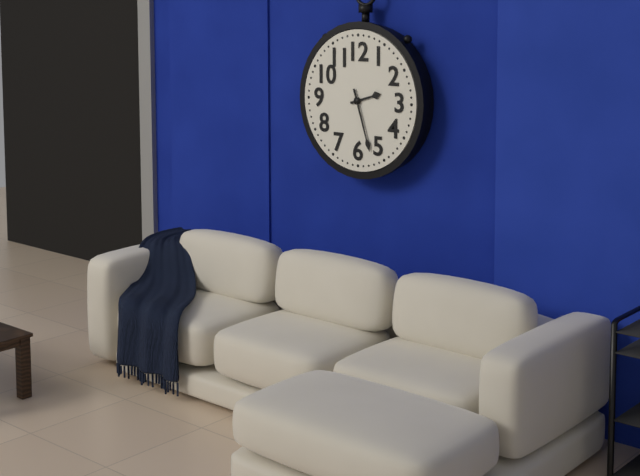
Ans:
h=2 m=27
